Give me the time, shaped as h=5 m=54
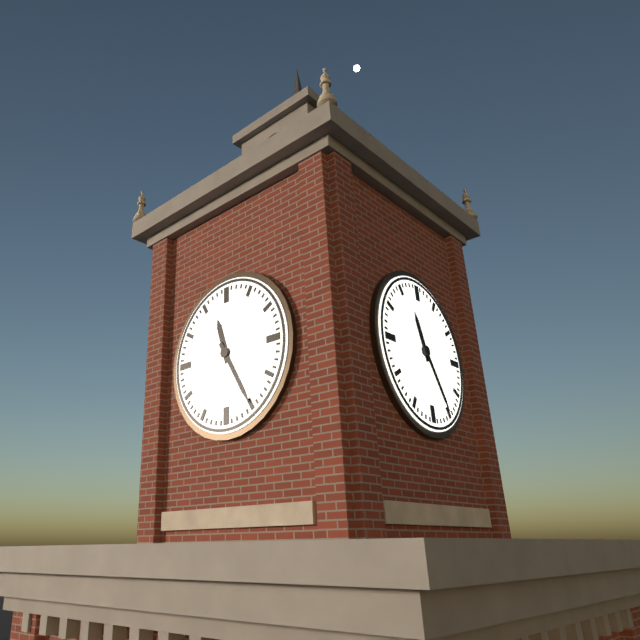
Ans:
h=11 m=25
